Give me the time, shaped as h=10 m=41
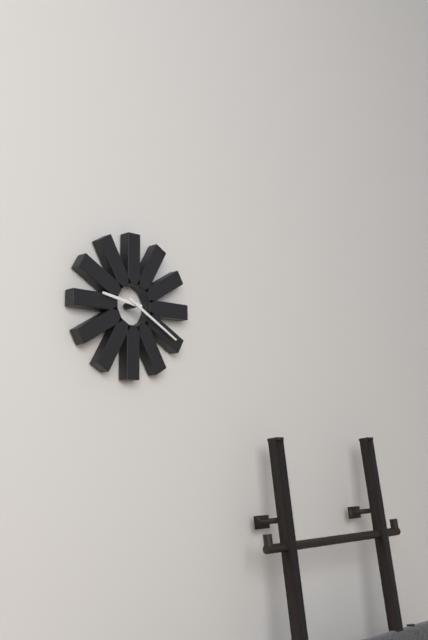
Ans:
h=9 m=20
